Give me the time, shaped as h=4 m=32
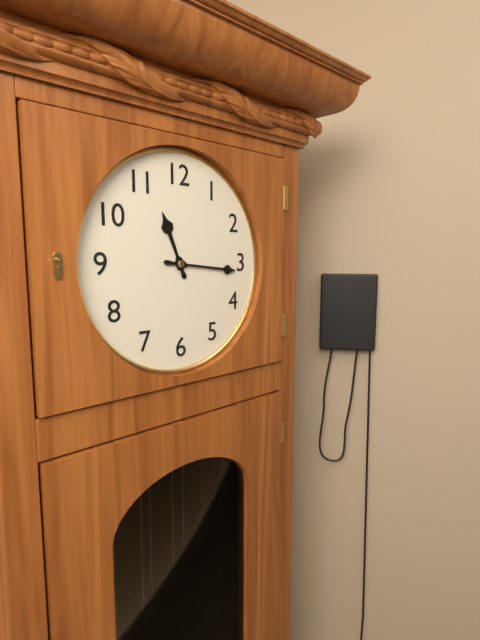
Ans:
h=11 m=16
